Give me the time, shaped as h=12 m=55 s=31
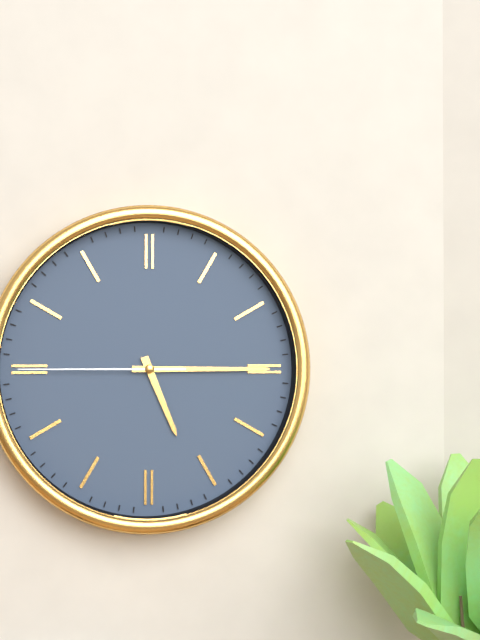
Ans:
h=5 m=15 s=45
